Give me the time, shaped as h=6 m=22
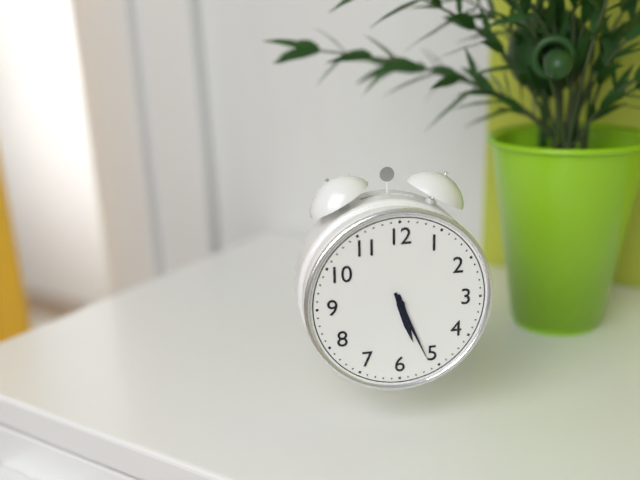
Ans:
h=5 m=26
